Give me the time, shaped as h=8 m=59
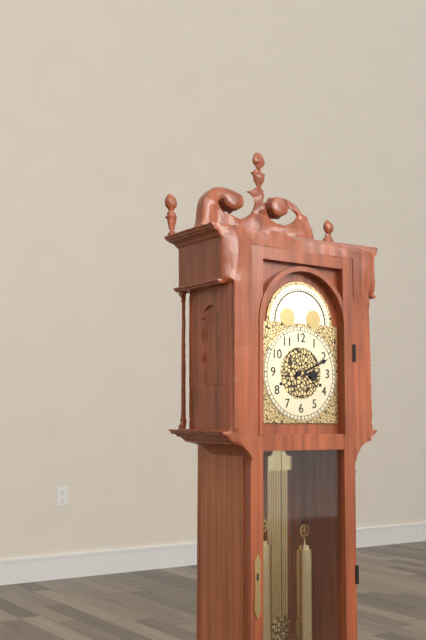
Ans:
h=3 m=11
